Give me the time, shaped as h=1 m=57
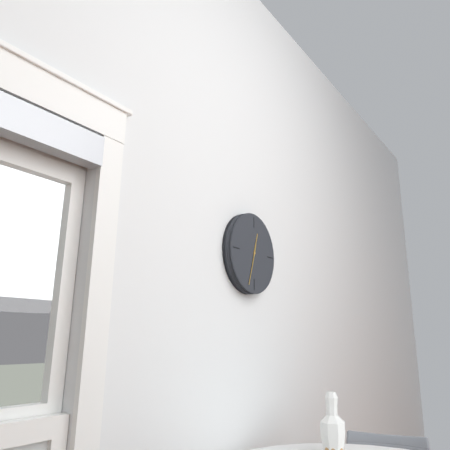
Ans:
h=12 m=33
